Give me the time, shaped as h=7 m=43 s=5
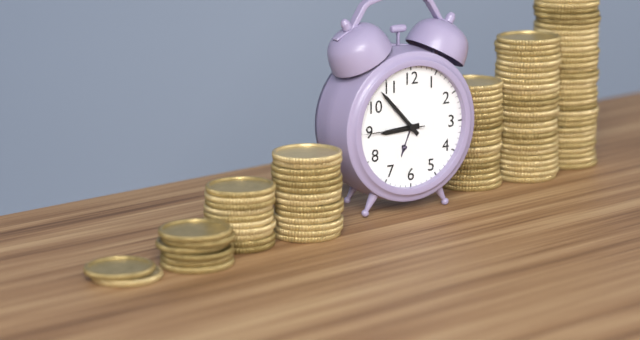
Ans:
h=8 m=53 s=45
